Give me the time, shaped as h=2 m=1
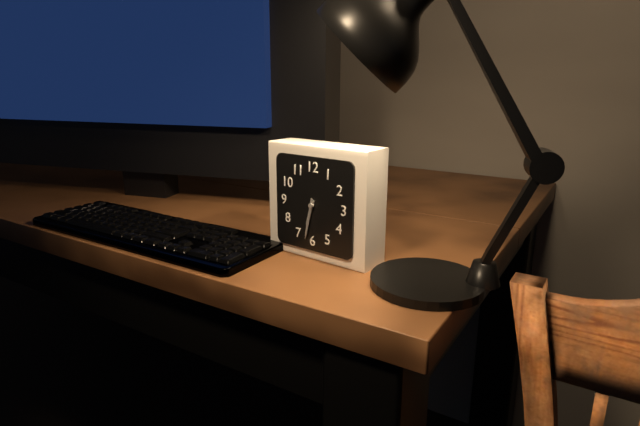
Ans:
h=6 m=32
